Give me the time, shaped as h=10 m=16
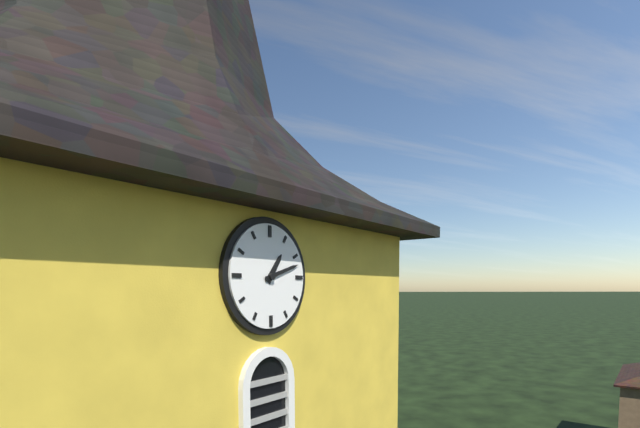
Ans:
h=1 m=12
